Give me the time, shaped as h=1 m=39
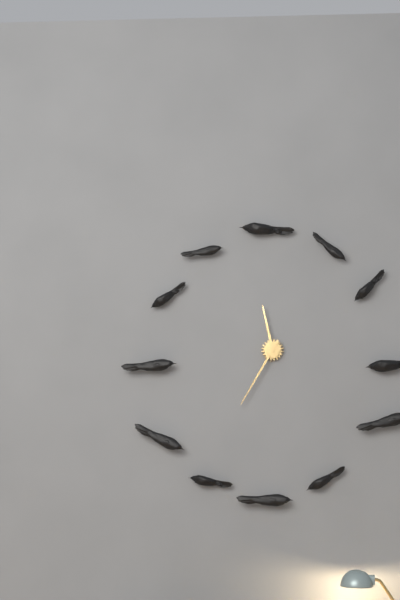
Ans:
h=11 m=35
